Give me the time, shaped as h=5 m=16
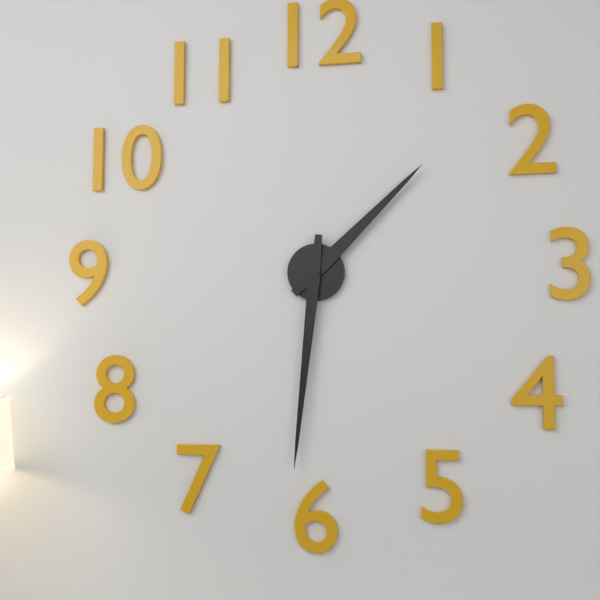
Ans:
h=1 m=31
